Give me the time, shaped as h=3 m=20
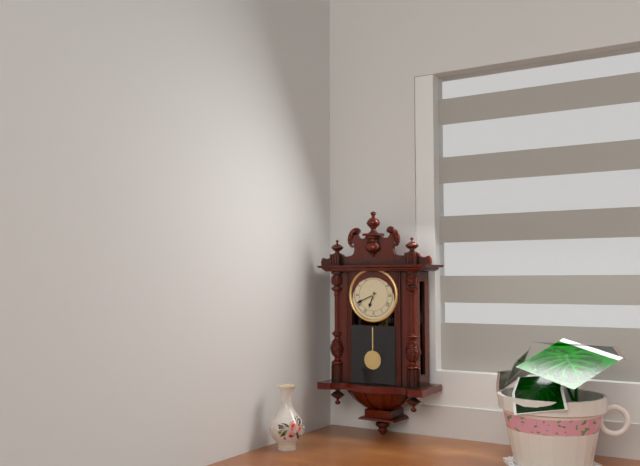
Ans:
h=6 m=41
